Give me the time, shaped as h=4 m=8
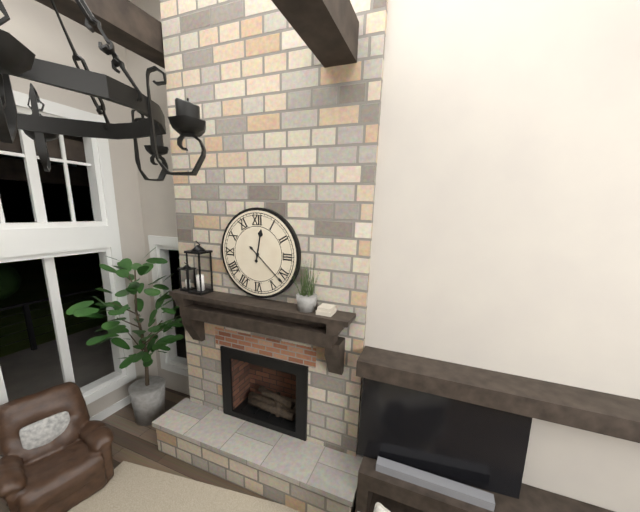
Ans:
h=12 m=22
